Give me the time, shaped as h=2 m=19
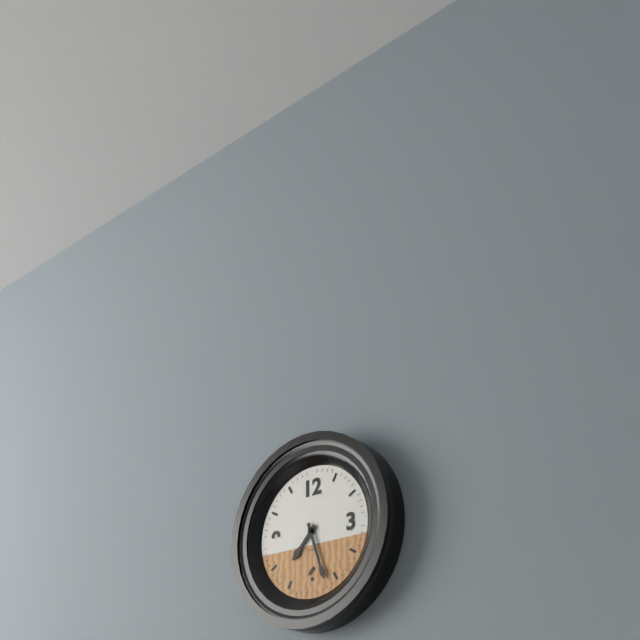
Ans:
h=7 m=27
